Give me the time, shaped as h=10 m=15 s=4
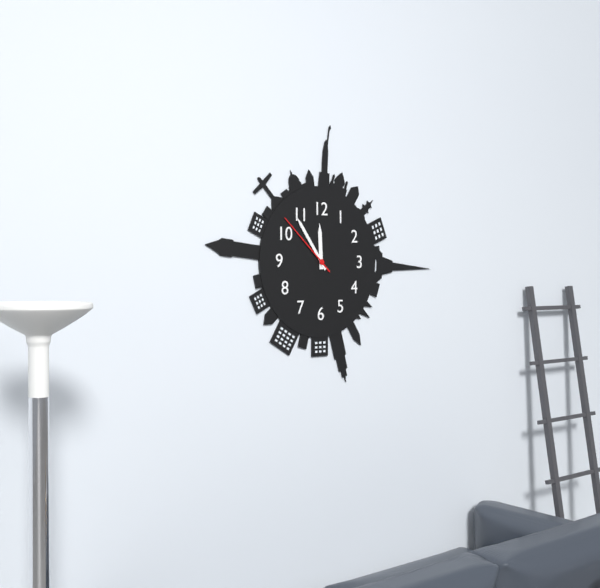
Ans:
h=11 m=54 s=52
